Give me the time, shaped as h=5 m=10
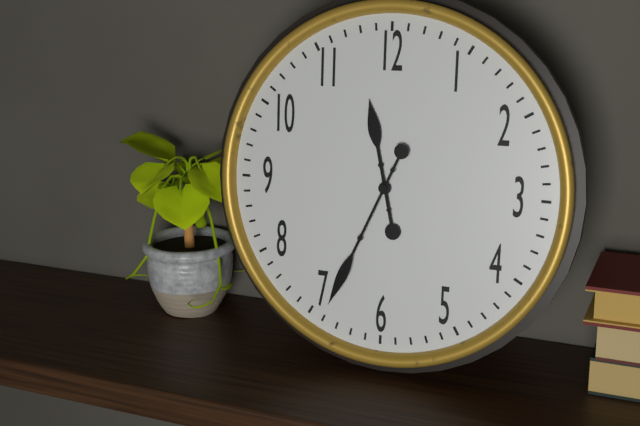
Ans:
h=11 m=34
